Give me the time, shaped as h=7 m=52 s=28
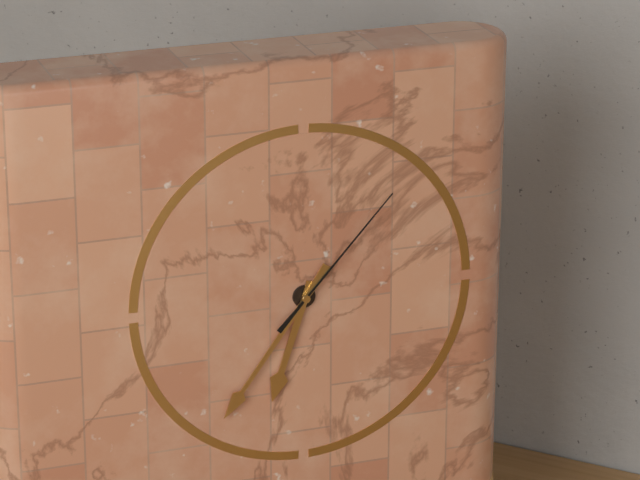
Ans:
h=6 m=36 s=7
